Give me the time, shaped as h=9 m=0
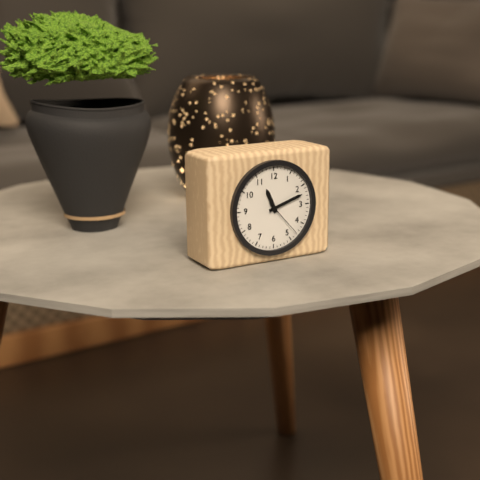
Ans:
h=11 m=12
